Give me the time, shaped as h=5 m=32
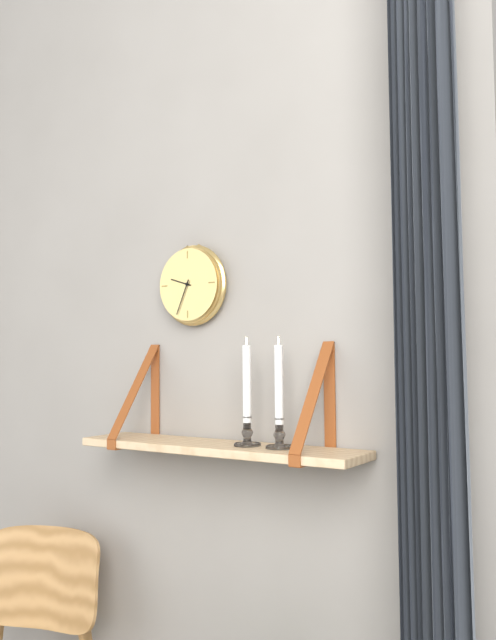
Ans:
h=9 m=34
